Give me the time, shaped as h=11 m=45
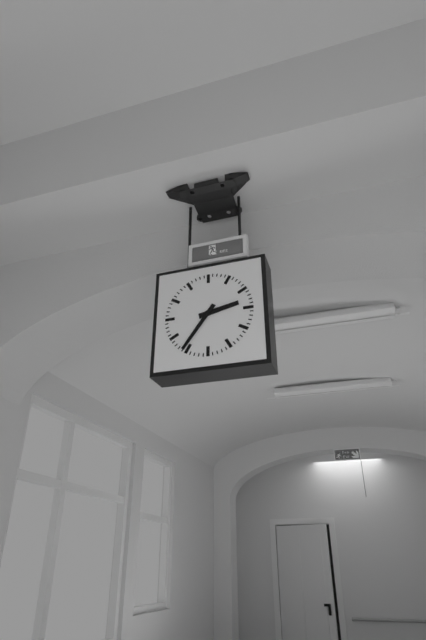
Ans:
h=2 m=36
